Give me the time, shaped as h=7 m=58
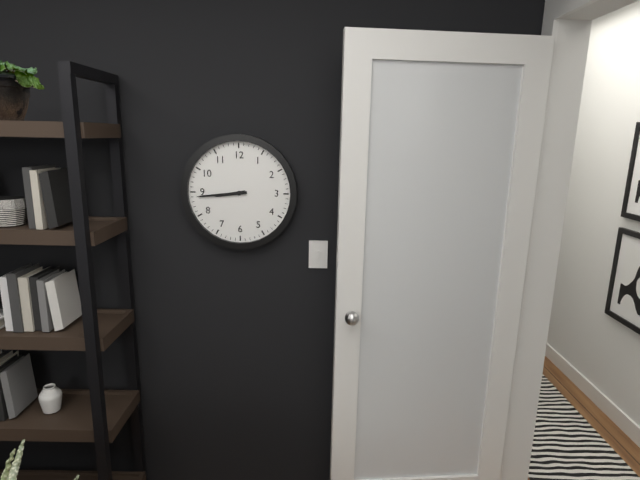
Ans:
h=8 m=44
